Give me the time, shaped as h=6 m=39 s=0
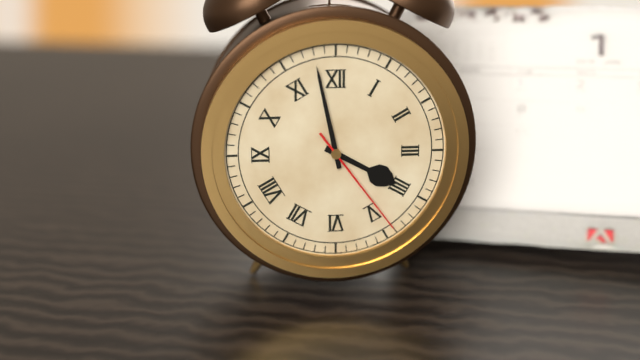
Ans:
h=3 m=58 s=24
